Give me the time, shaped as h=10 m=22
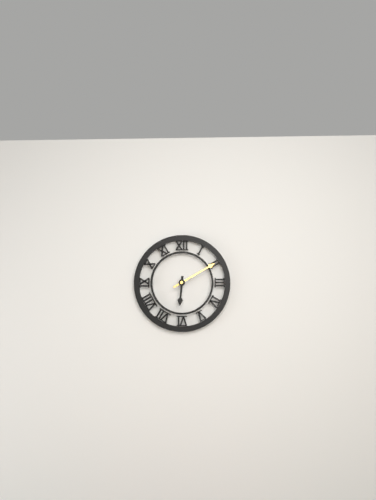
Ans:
h=6 m=10
